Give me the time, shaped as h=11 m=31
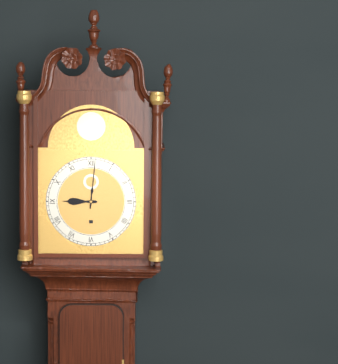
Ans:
h=9 m=1
